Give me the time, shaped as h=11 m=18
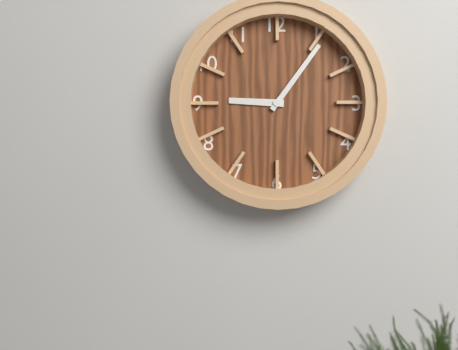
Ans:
h=9 m=6
